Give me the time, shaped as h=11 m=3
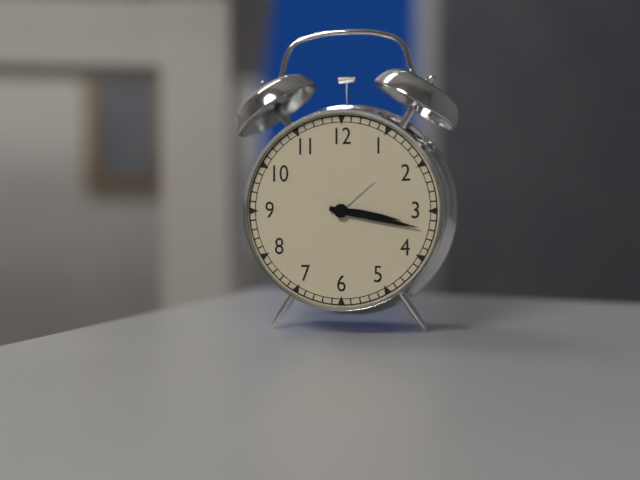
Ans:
h=3 m=17
